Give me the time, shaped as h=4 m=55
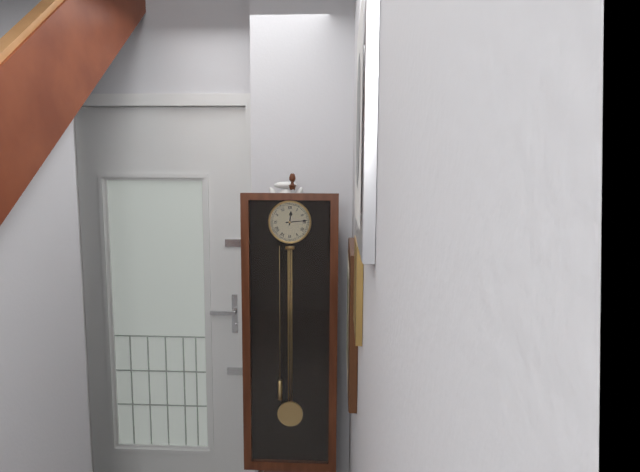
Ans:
h=12 m=14
